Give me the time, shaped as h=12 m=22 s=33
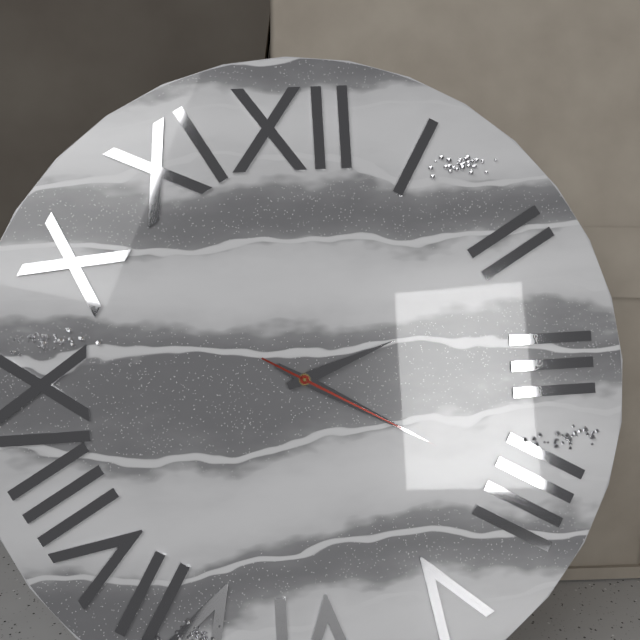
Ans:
h=2 m=20 s=20
